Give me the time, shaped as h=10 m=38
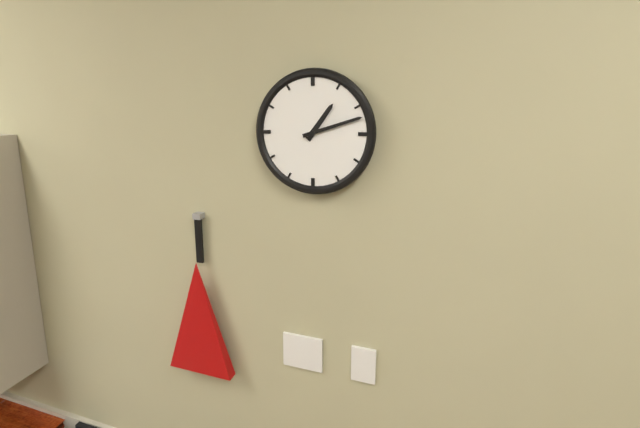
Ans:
h=1 m=12
